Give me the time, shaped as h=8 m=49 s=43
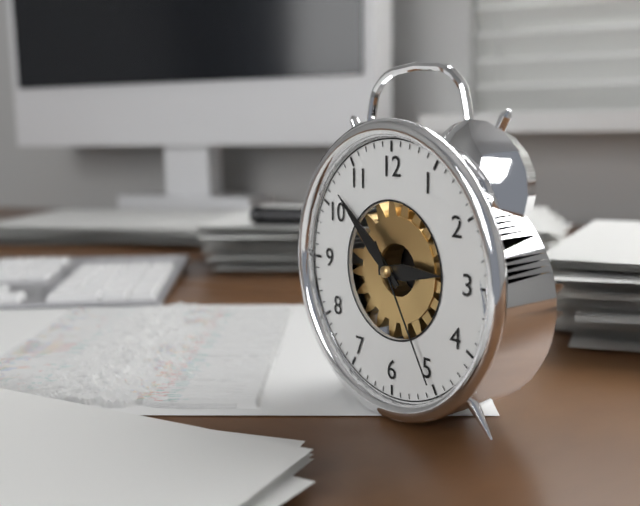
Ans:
h=2 m=52 s=25
